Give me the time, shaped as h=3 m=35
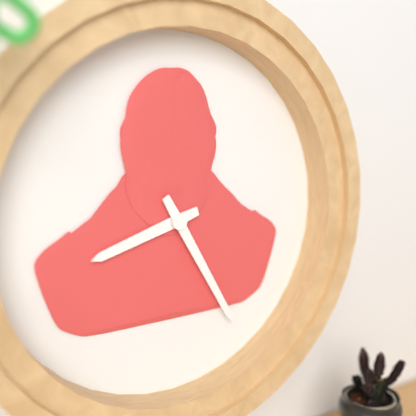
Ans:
h=8 m=25
